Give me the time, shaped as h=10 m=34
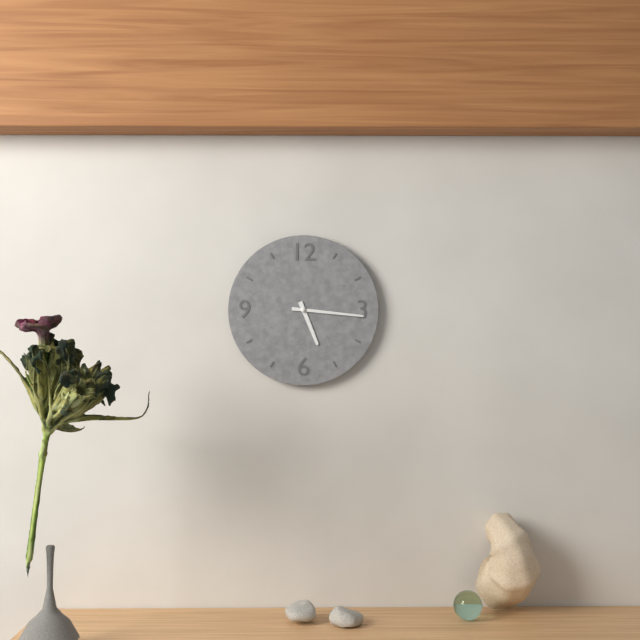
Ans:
h=5 m=16
